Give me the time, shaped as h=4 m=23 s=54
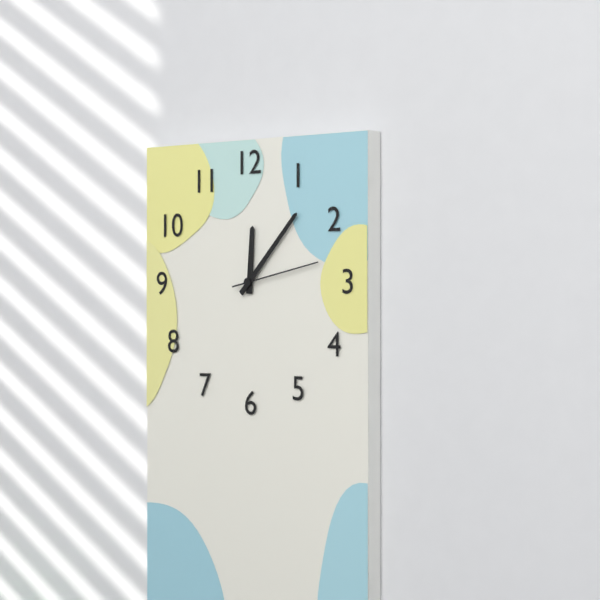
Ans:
h=12 m=7 s=13
